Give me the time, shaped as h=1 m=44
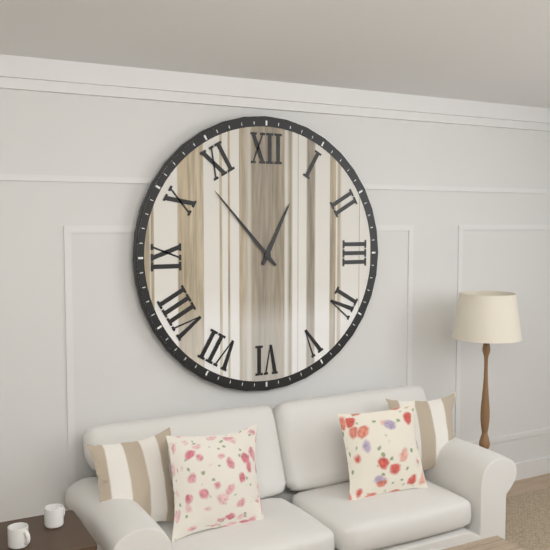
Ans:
h=12 m=53
